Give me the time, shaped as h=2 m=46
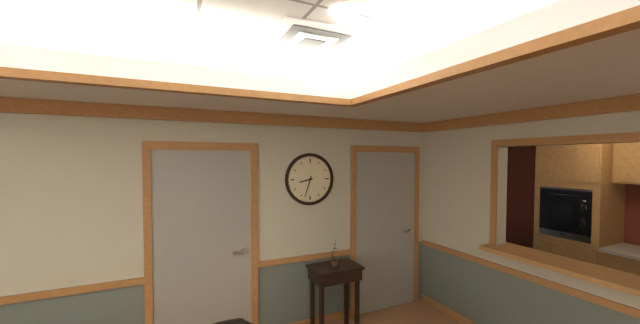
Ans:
h=8 m=33
